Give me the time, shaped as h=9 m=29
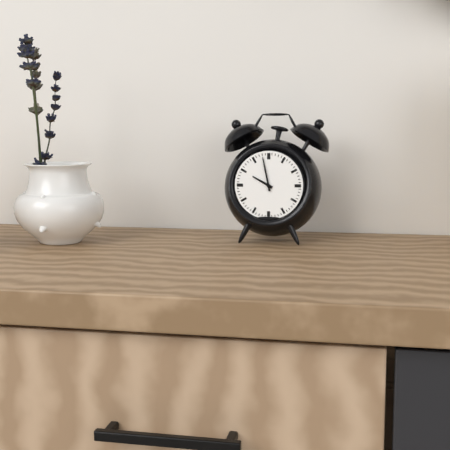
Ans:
h=9 m=58
